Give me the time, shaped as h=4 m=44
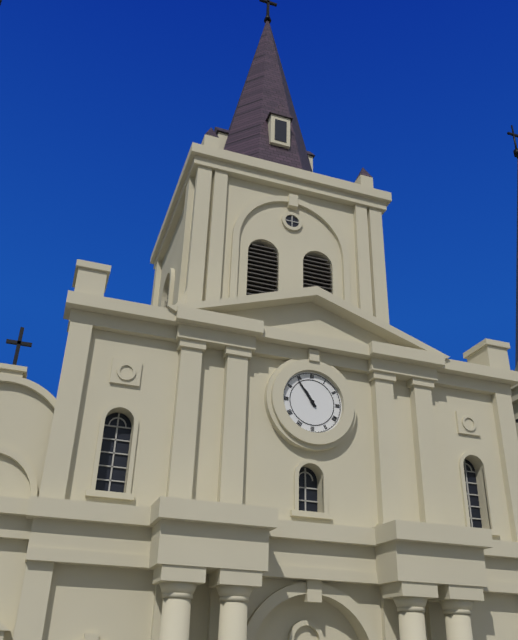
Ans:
h=10 m=54
